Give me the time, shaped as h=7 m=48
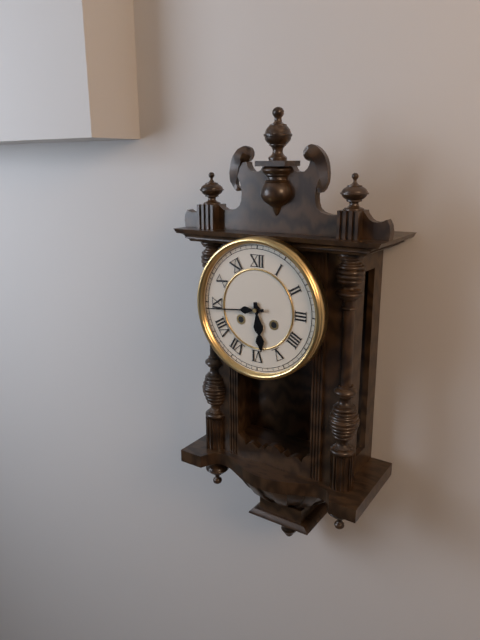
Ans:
h=5 m=44
